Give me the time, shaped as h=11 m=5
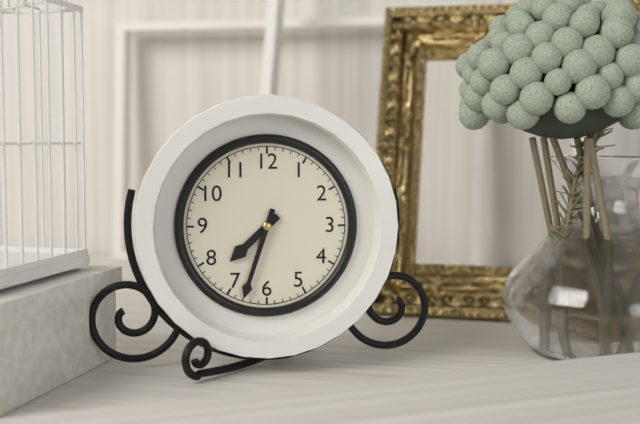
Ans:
h=7 m=33
